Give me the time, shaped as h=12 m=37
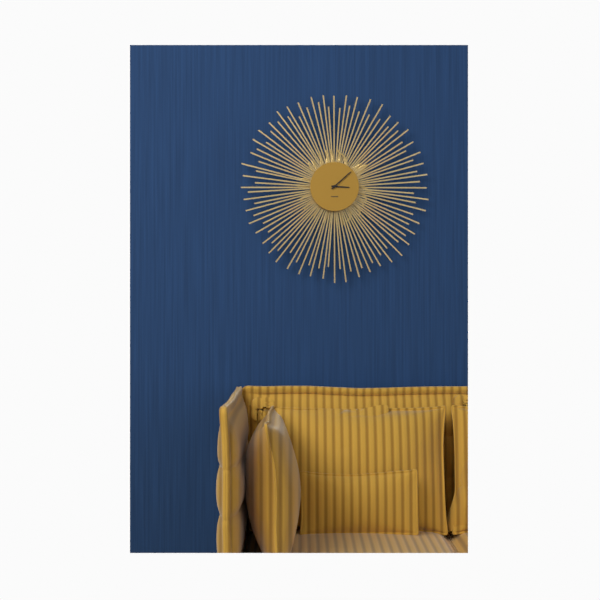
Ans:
h=3 m=8
